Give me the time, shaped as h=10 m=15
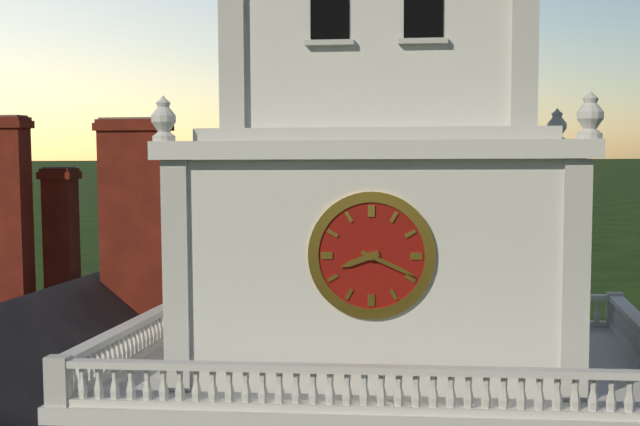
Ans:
h=8 m=19
